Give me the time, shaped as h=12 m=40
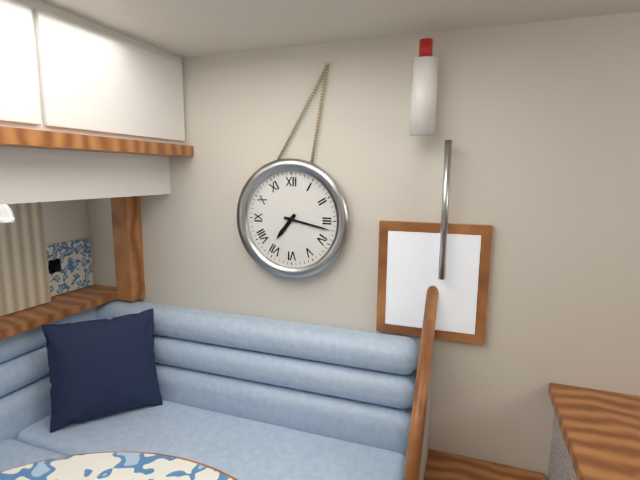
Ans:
h=7 m=17
